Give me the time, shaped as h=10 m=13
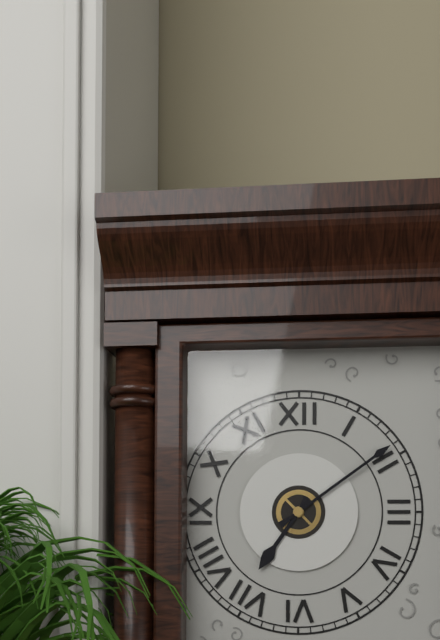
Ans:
h=7 m=9
